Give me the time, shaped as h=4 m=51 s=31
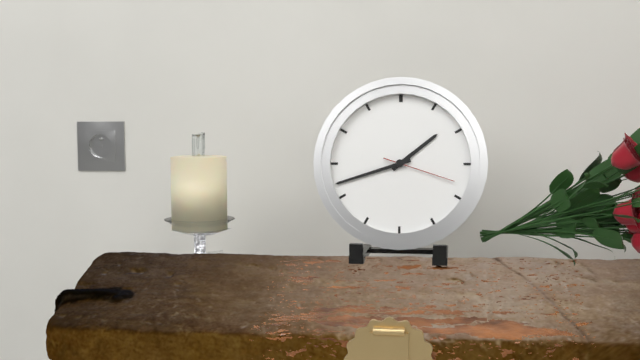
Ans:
h=1 m=42 s=18
